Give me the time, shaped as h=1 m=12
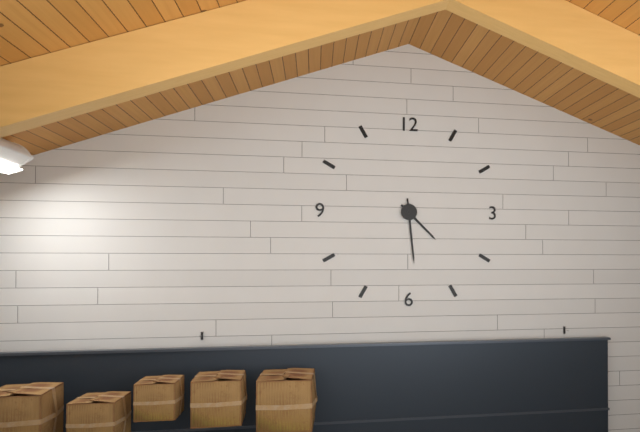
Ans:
h=4 m=29
